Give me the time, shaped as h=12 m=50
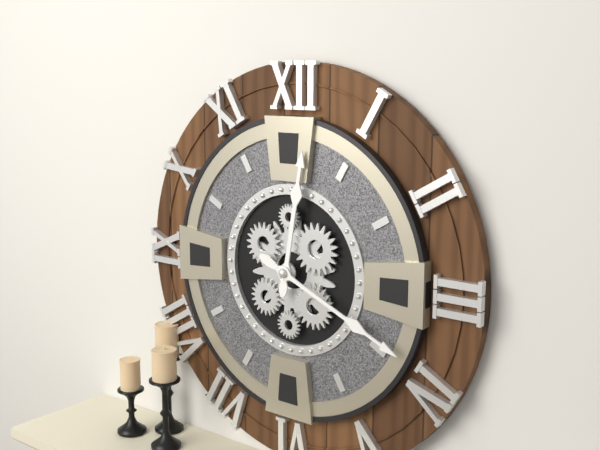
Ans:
h=12 m=19
